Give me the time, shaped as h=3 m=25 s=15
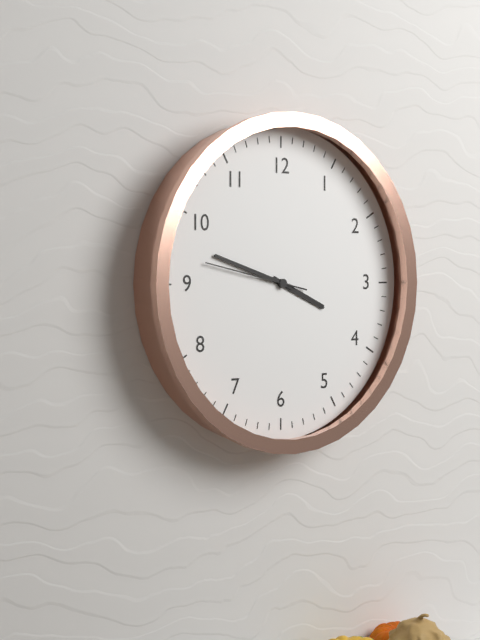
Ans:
h=3 m=48 s=47
